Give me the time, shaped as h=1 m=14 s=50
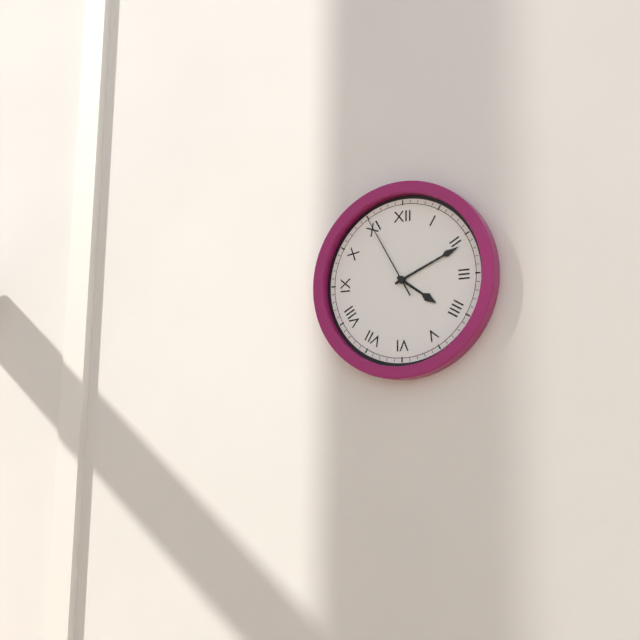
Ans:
h=4 m=11 s=55
